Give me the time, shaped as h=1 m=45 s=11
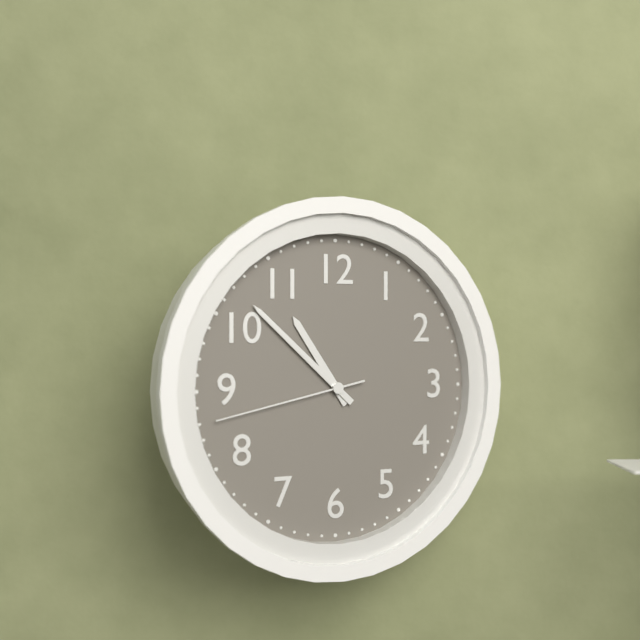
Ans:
h=10 m=52 s=43
